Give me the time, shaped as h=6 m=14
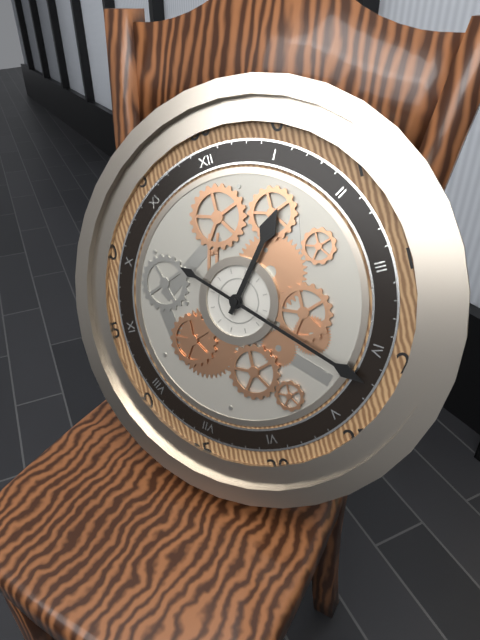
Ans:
h=1 m=22
